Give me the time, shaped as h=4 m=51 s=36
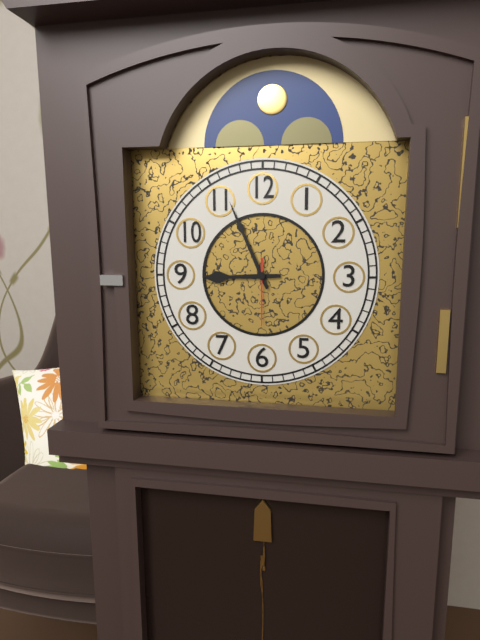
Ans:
h=8 m=56 s=30
